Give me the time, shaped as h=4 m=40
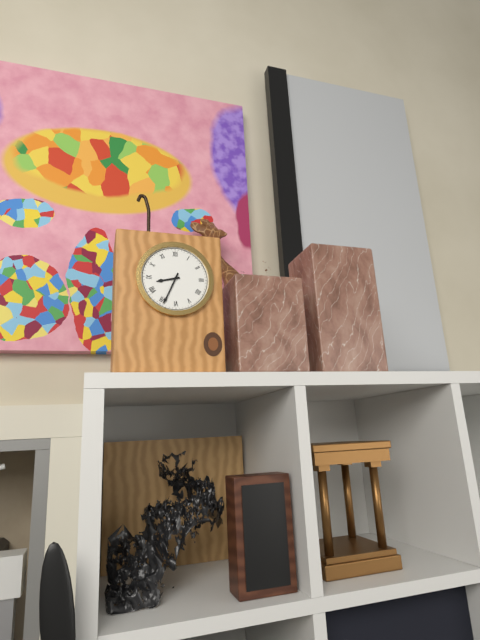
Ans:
h=8 m=34
